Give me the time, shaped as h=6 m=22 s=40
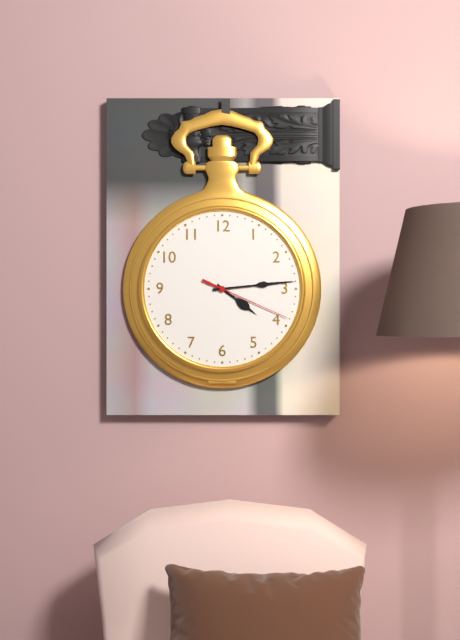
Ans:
h=4 m=14 s=19
